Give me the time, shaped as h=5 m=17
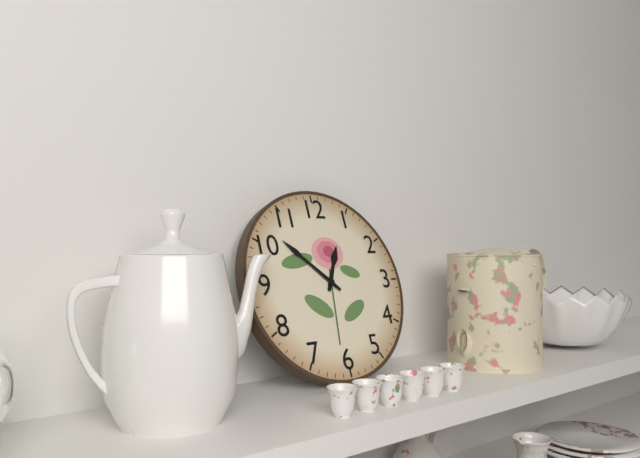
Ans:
h=12 m=52
